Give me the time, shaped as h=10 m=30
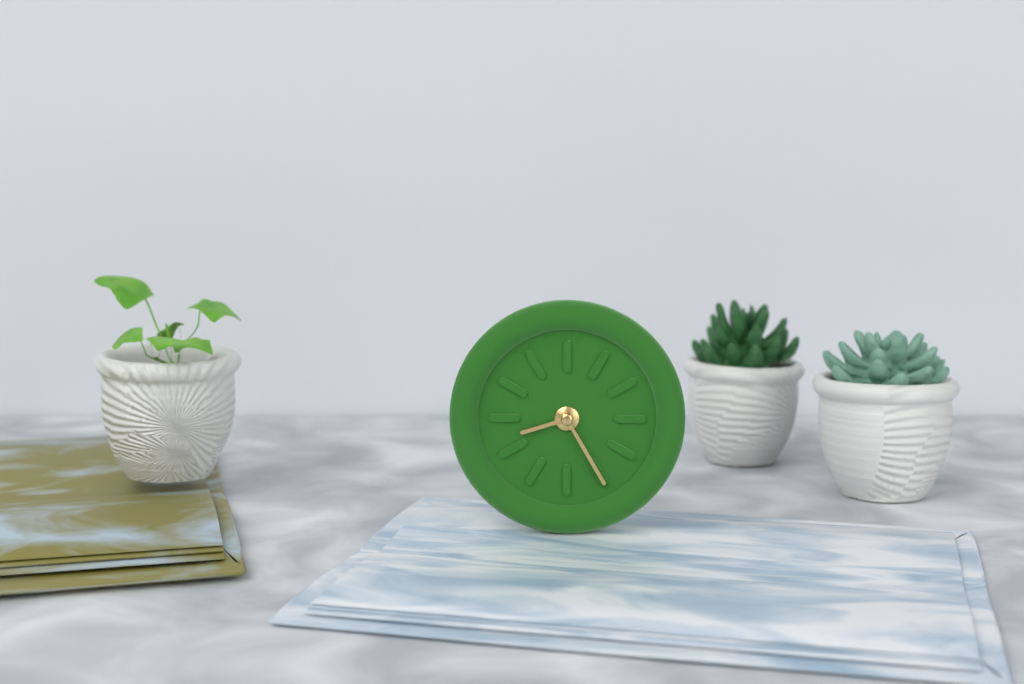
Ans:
h=8 m=25
